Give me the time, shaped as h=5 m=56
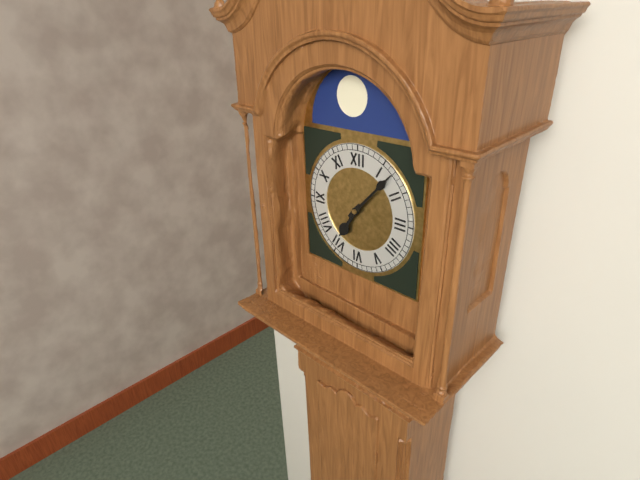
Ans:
h=7 m=7
